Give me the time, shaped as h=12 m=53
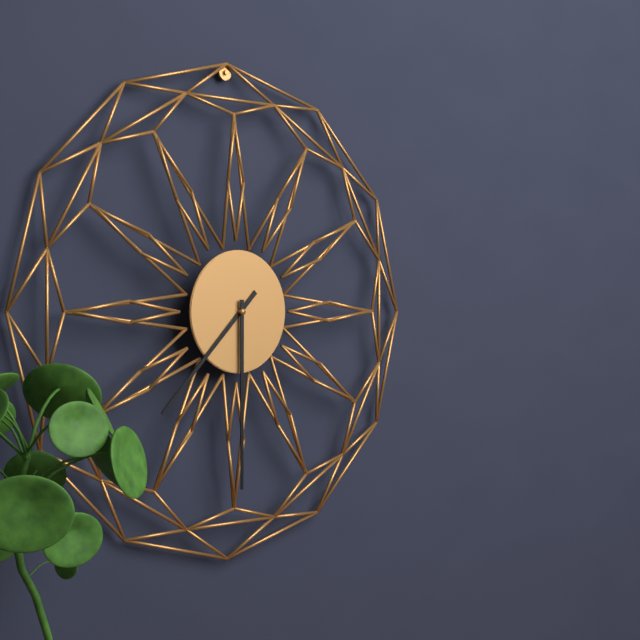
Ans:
h=7 m=30
